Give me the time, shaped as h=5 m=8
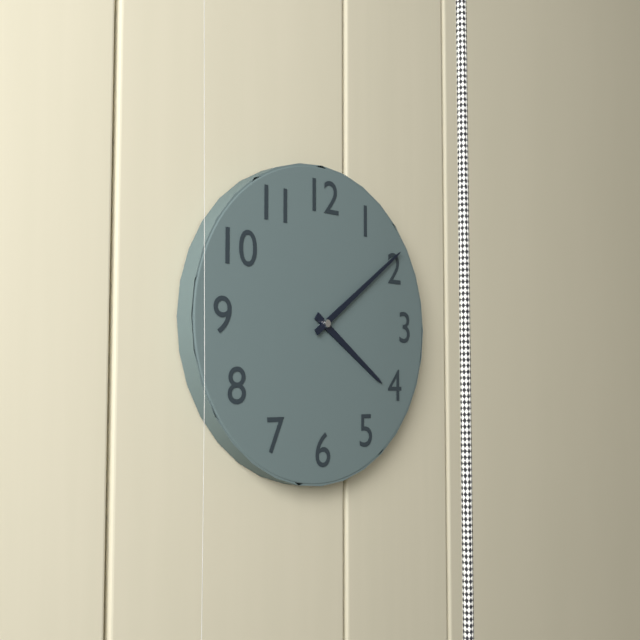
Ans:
h=4 m=9
